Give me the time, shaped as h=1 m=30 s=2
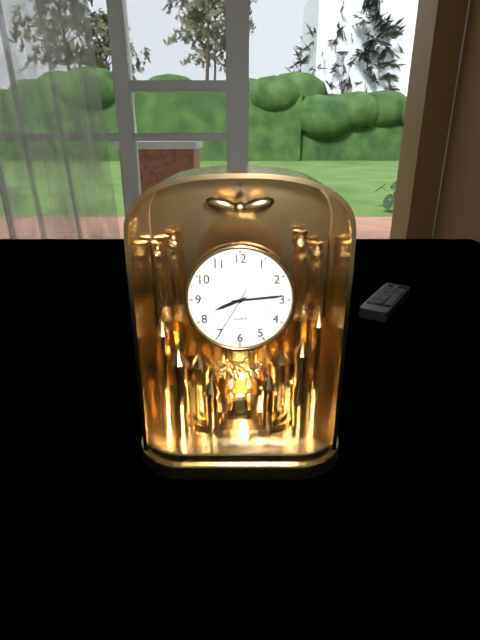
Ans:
h=8 m=14 s=35
